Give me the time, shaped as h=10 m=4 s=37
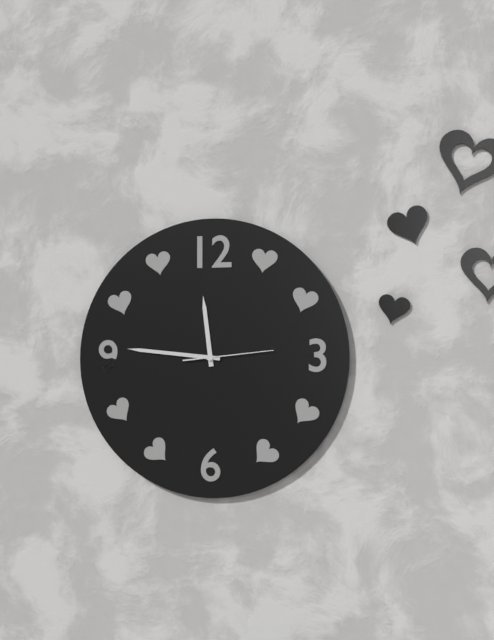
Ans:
h=11 m=46 s=14
